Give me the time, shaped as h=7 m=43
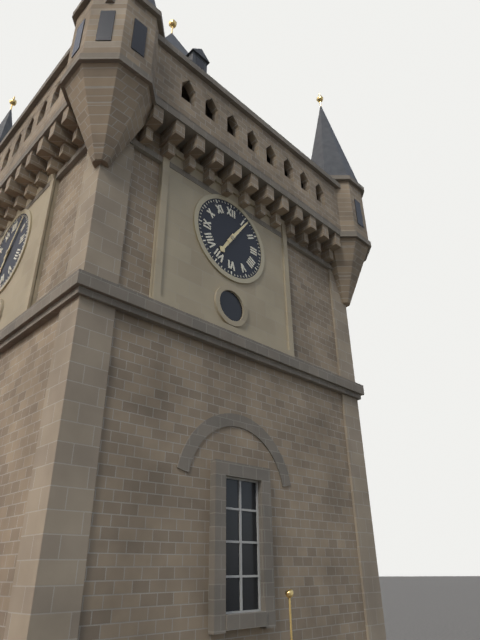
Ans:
h=7 m=6
